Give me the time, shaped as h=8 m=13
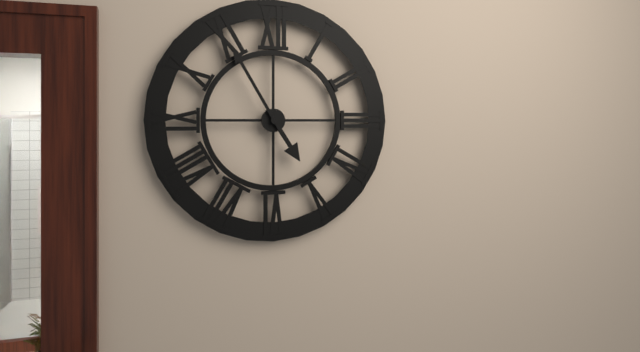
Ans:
h=4 m=55
